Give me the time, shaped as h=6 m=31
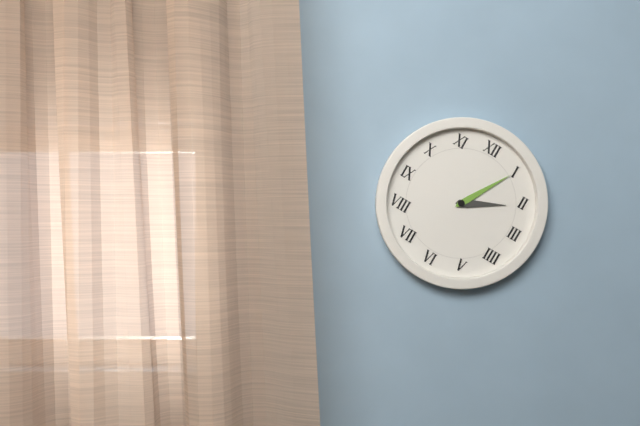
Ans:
h=2 m=5
